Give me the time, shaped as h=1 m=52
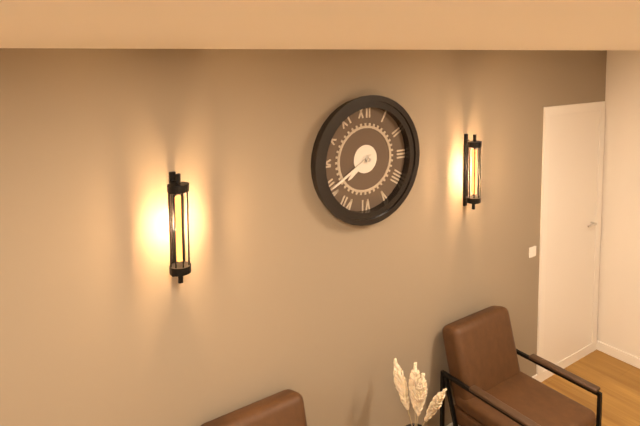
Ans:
h=7 m=40
